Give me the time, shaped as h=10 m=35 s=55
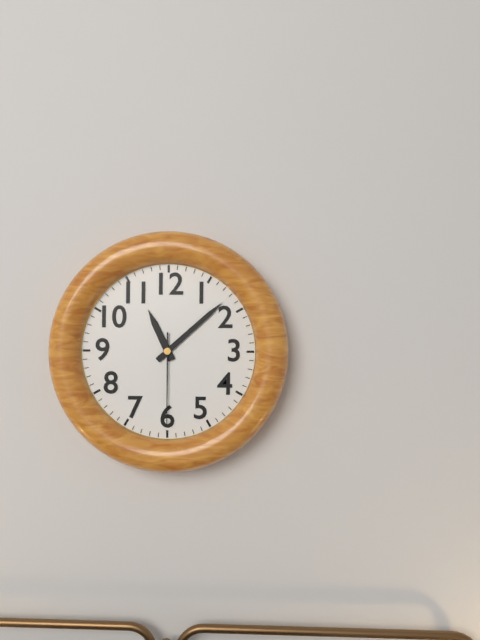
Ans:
h=11 m=8 s=30
